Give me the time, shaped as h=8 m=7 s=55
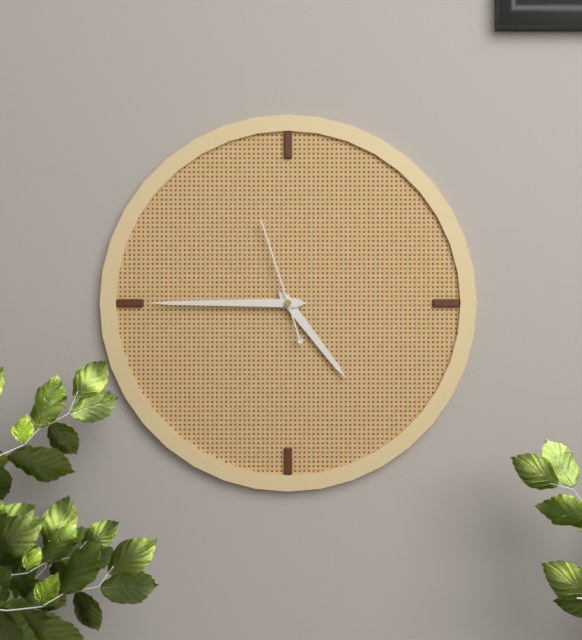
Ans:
h=4 m=45 s=57
